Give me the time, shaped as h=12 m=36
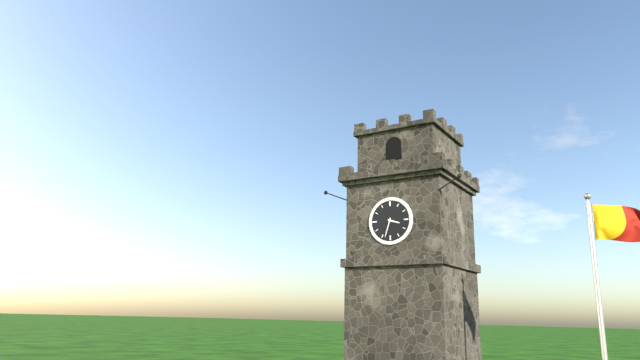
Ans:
h=3 m=33
